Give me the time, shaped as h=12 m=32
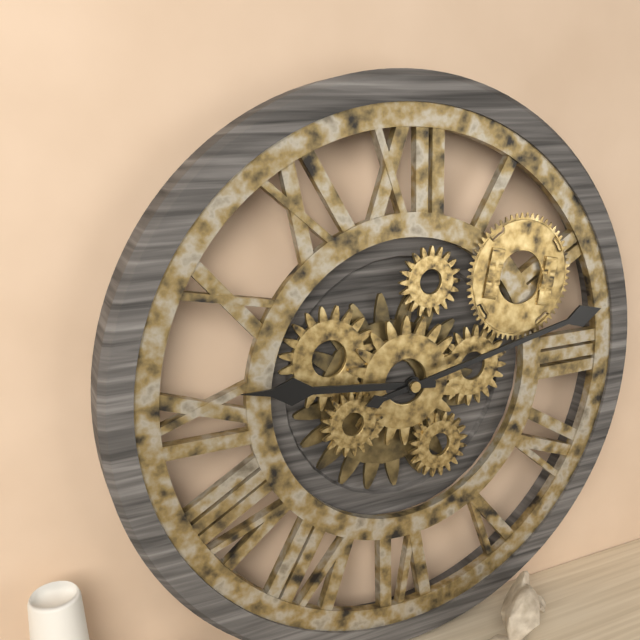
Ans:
h=9 m=13
